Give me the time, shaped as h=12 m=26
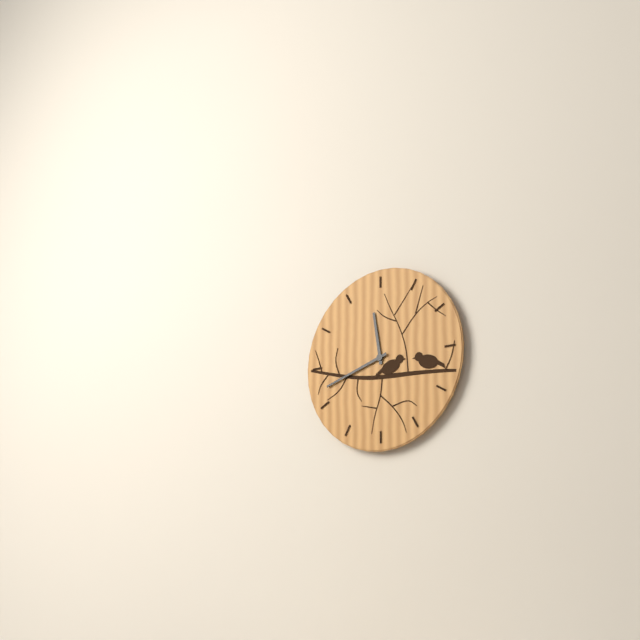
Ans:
h=11 m=42
